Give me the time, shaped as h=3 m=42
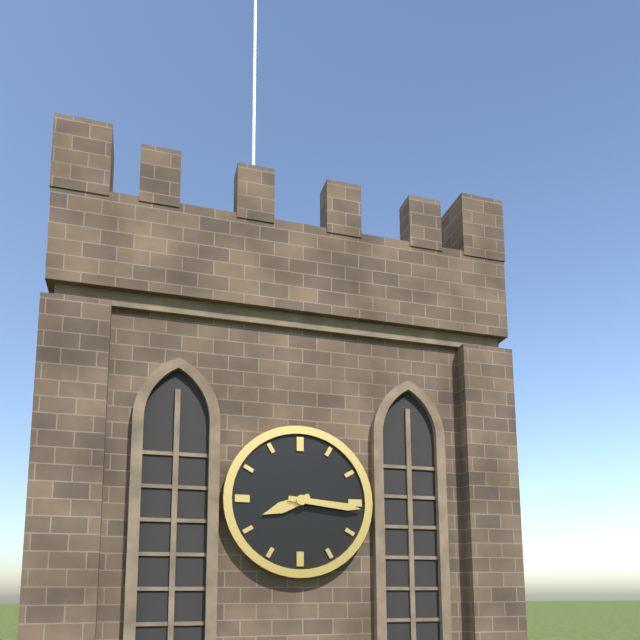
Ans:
h=8 m=16
